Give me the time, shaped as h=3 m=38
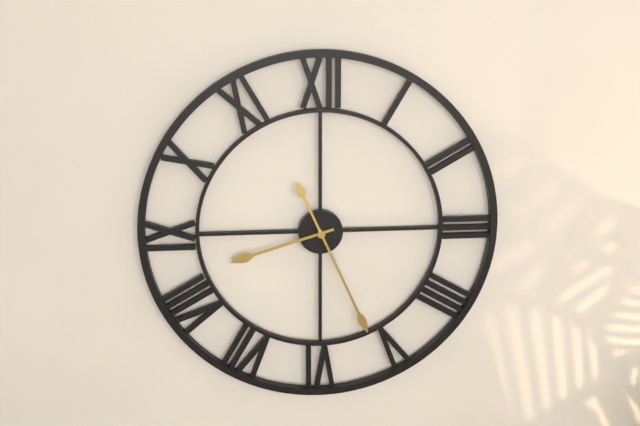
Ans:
h=8 m=26
